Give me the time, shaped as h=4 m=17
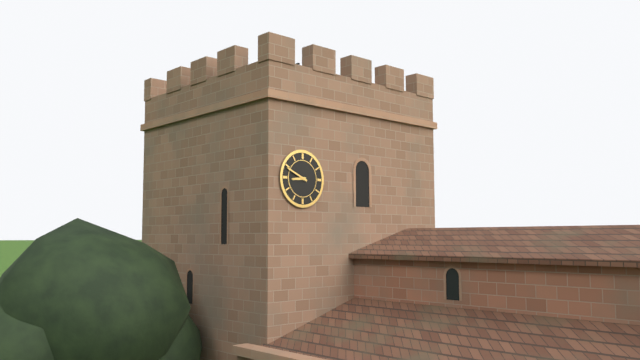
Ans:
h=8 m=49
